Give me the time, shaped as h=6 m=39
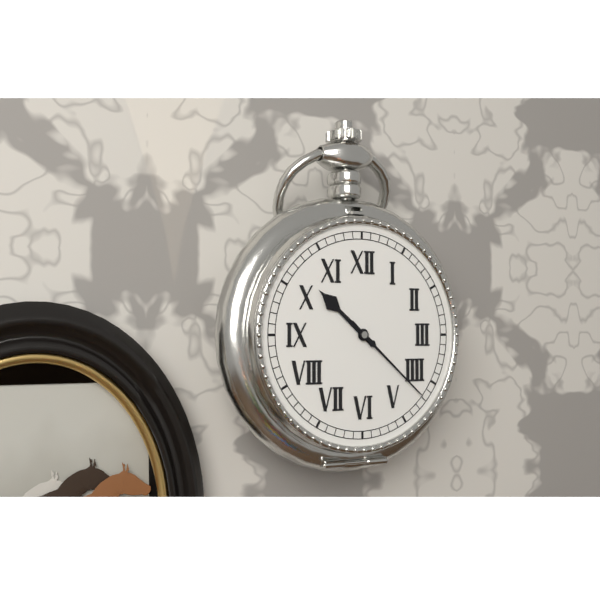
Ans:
h=10 m=22
